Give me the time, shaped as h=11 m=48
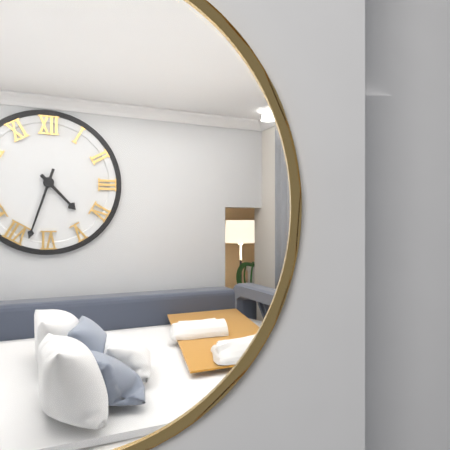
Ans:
h=4 m=33
